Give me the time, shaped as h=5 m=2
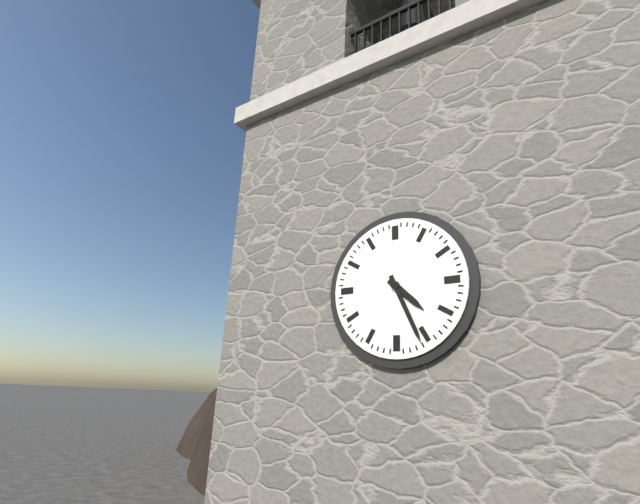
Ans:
h=4 m=26
